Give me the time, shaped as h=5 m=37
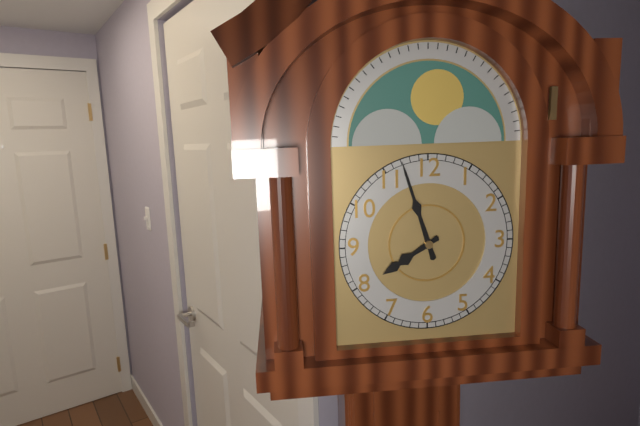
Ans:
h=7 m=57
